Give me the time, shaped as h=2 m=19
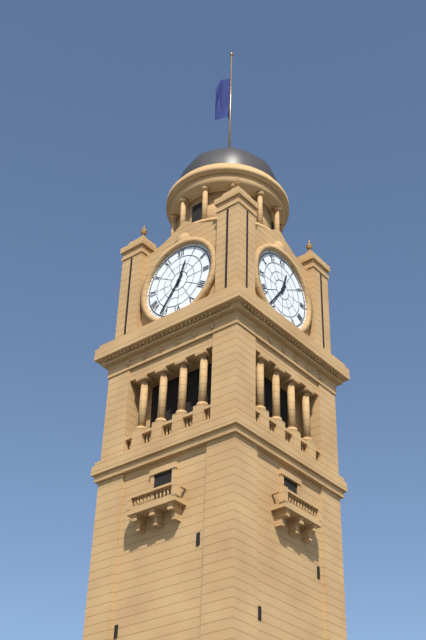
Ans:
h=12 m=36
